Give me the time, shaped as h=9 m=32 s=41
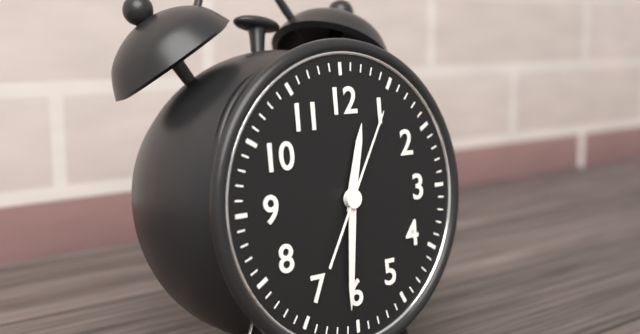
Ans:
h=12 m=31 s=5
